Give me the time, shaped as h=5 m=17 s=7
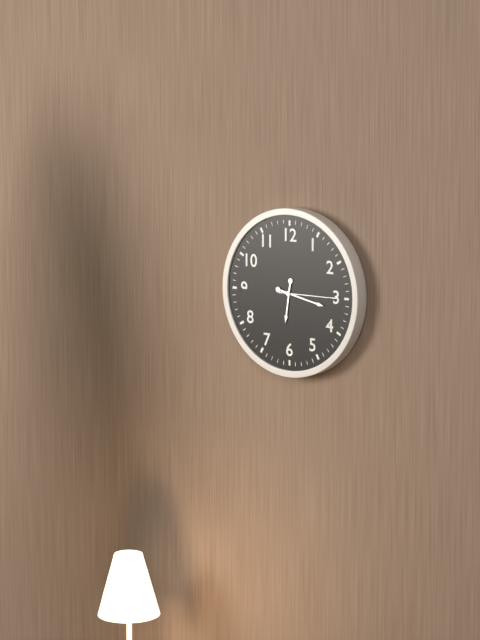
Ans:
h=6 m=17 s=15
